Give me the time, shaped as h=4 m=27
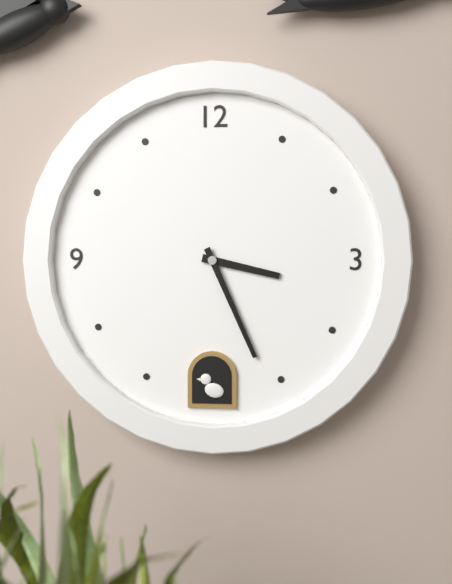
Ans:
h=3 m=26
